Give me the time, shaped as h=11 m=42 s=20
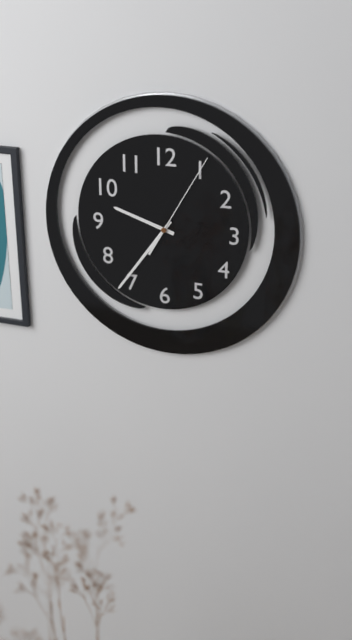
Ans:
h=9 m=36 s=5
